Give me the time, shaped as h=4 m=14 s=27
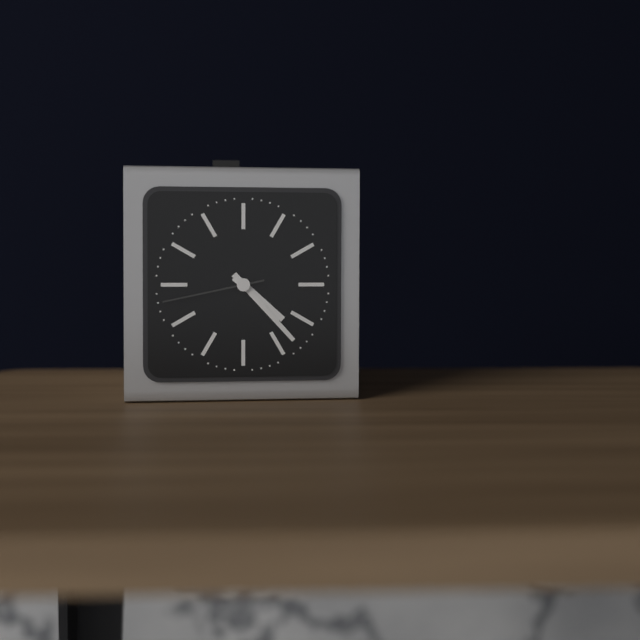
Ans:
h=4 m=23 s=43
